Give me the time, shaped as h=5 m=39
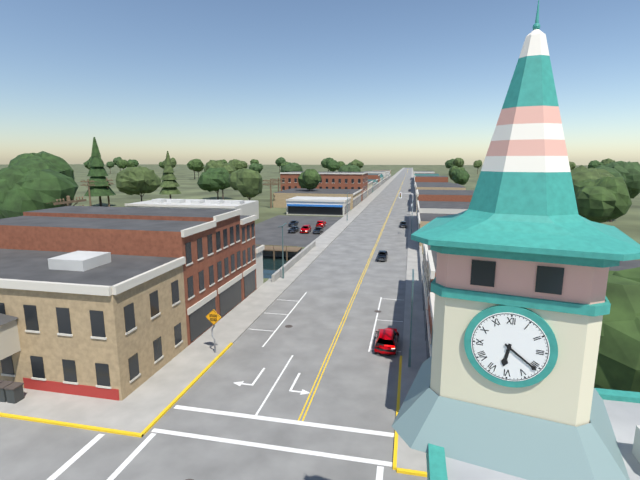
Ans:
h=6 m=21
